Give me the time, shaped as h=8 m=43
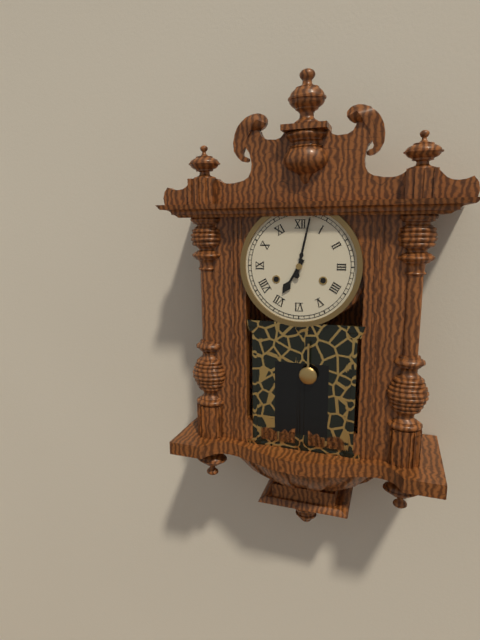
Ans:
h=7 m=2
